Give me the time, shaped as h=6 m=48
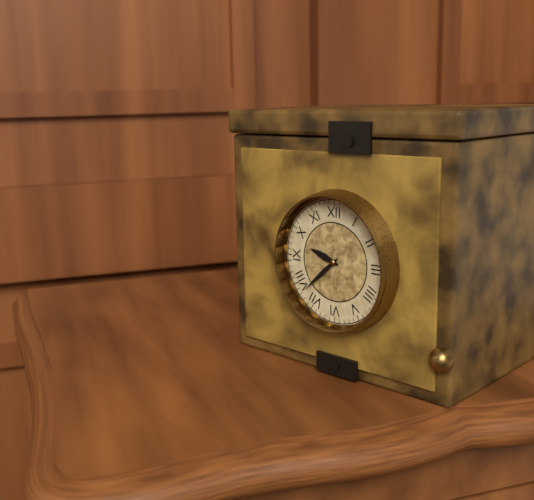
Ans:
h=9 m=38
